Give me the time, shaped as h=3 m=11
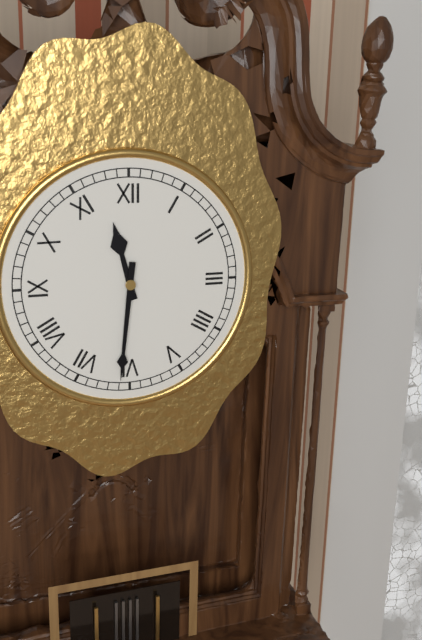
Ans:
h=11 m=31
